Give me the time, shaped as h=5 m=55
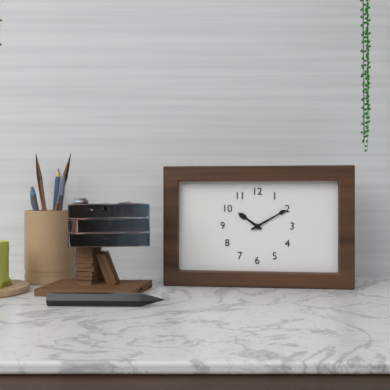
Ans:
h=10 m=10
